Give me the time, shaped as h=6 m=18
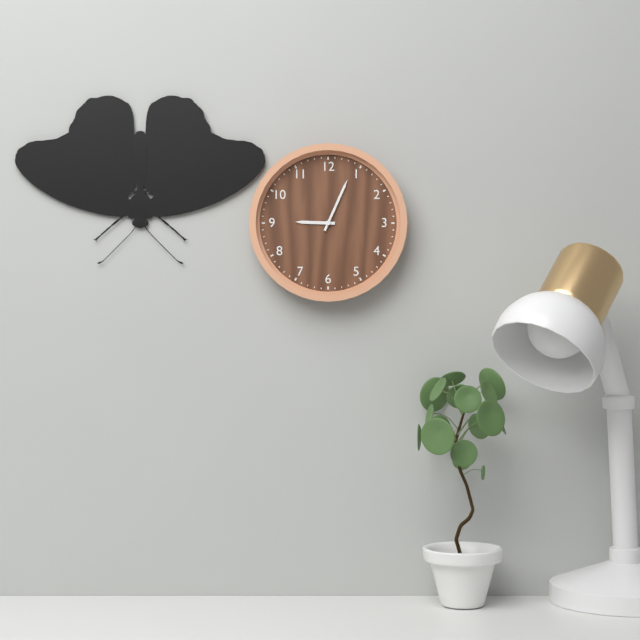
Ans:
h=9 m=4
